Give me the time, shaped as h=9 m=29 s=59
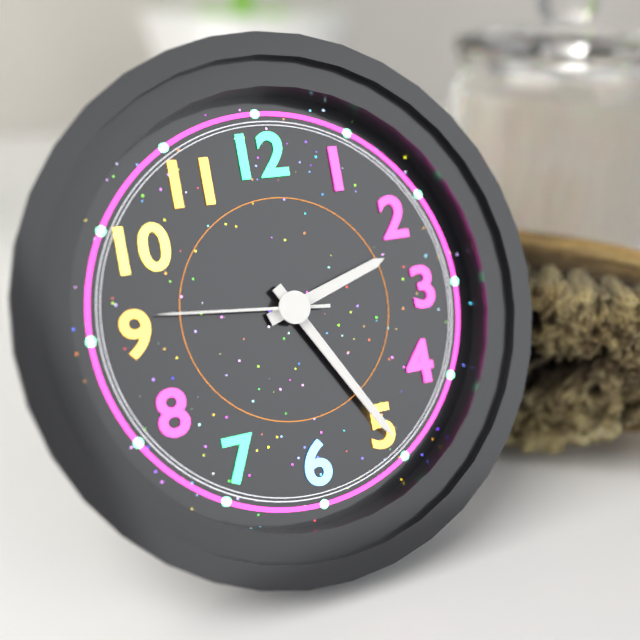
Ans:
h=2 m=25 s=46
